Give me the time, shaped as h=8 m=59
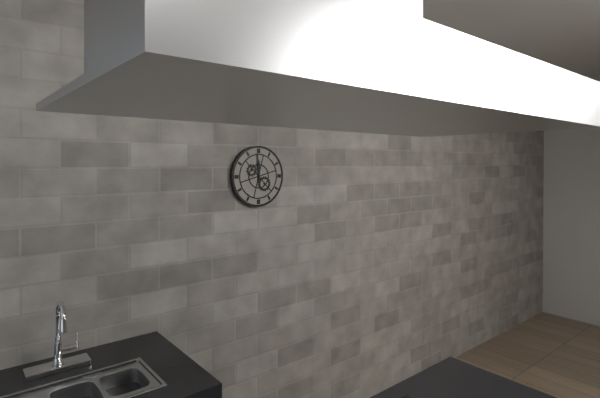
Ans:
h=11 m=59
